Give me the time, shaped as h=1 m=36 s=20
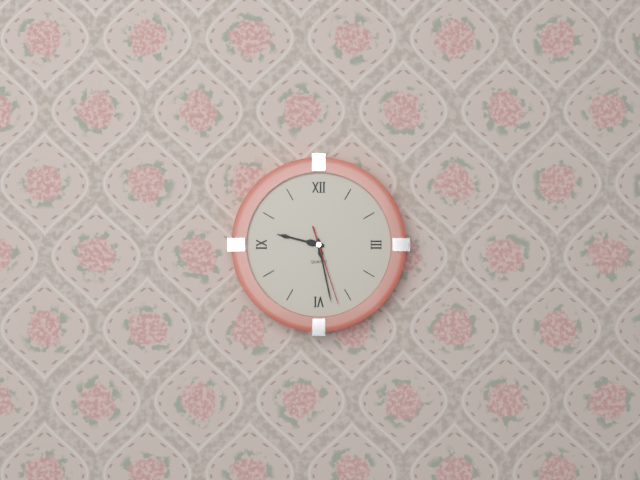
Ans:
h=9 m=28 s=27
